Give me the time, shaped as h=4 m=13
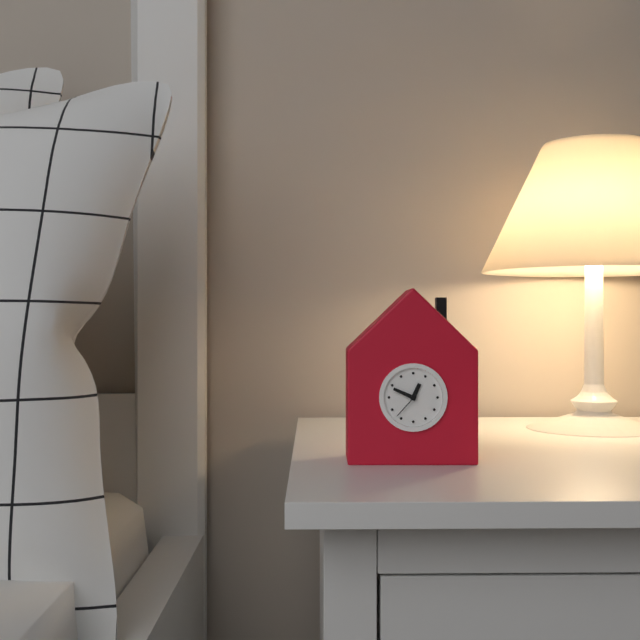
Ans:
h=12 m=49
